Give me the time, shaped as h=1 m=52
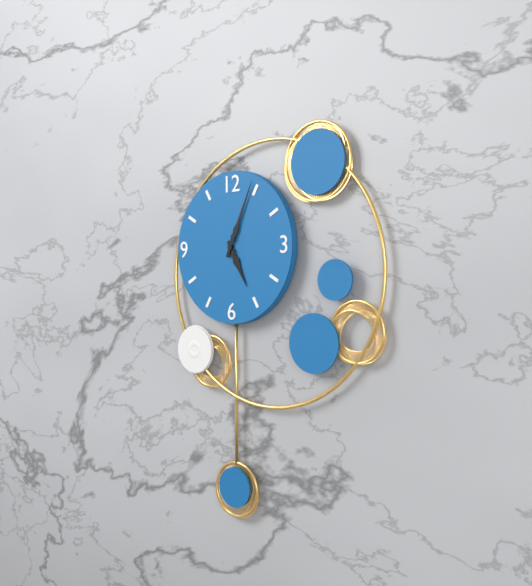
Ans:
h=5 m=4
